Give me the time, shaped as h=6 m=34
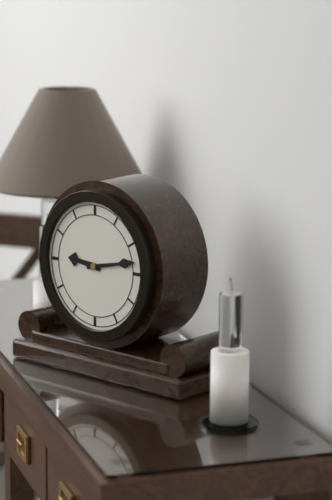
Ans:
h=9 m=13
